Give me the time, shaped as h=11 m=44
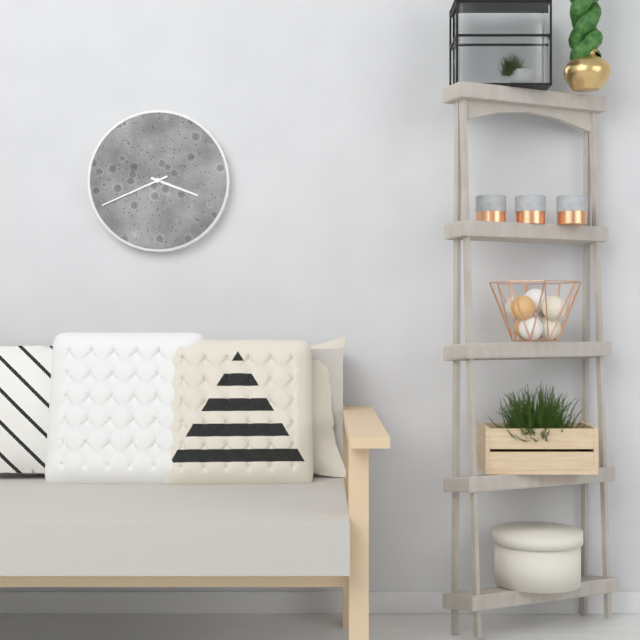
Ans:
h=3 m=41
